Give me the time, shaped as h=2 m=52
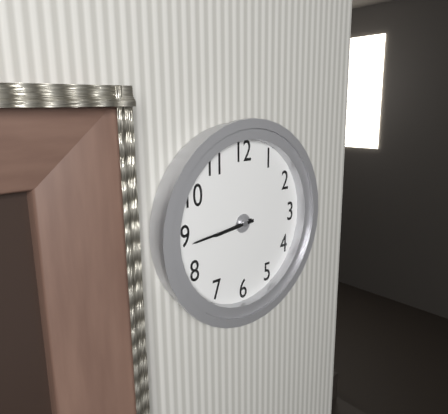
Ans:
h=8 m=44
